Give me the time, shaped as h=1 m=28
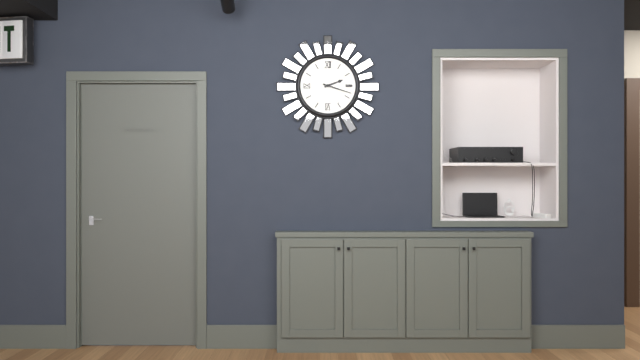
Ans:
h=2 m=18
